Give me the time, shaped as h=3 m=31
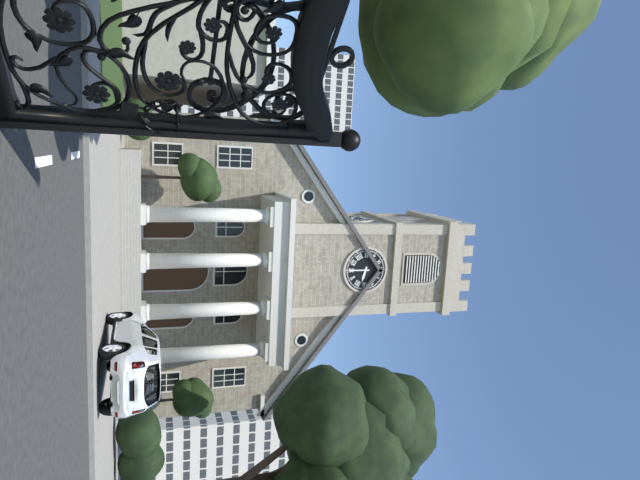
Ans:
h=3 m=30
